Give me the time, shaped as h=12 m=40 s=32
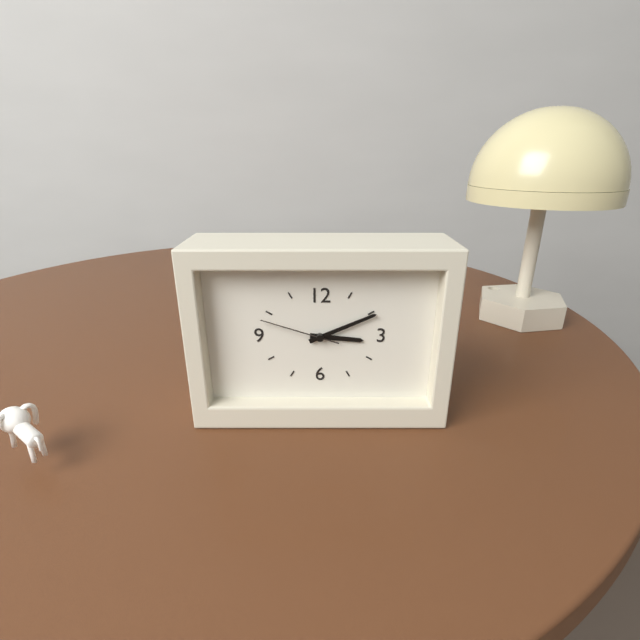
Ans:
h=3 m=11 s=48
